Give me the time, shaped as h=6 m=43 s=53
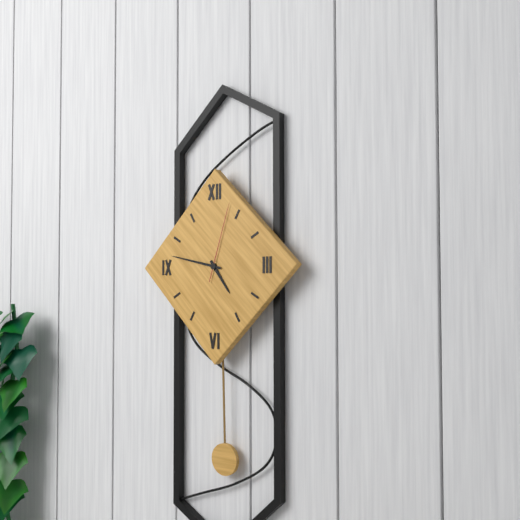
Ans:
h=4 m=47 s=3
